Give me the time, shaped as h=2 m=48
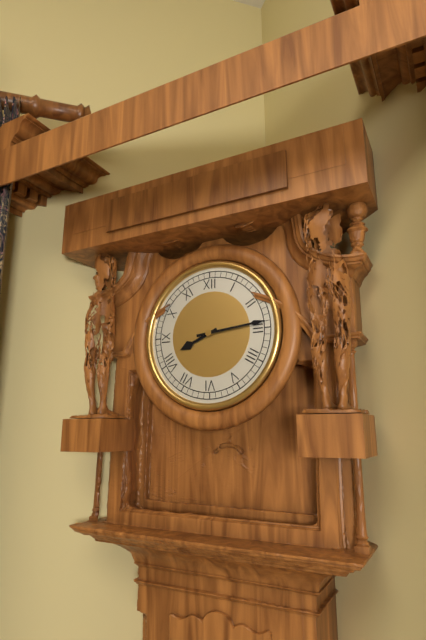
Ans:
h=8 m=14
